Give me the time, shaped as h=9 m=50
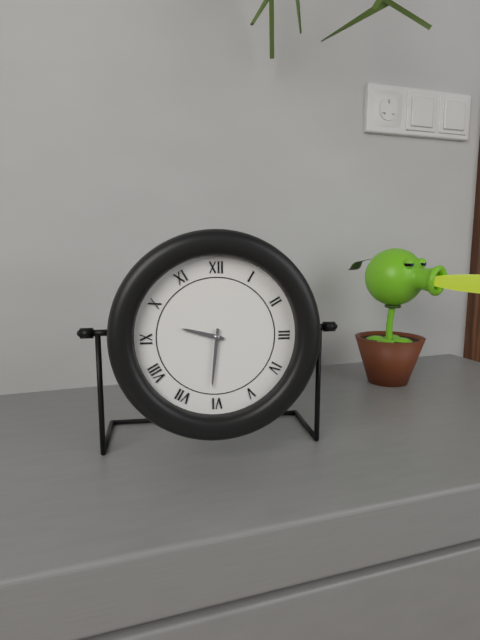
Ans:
h=9 m=31
